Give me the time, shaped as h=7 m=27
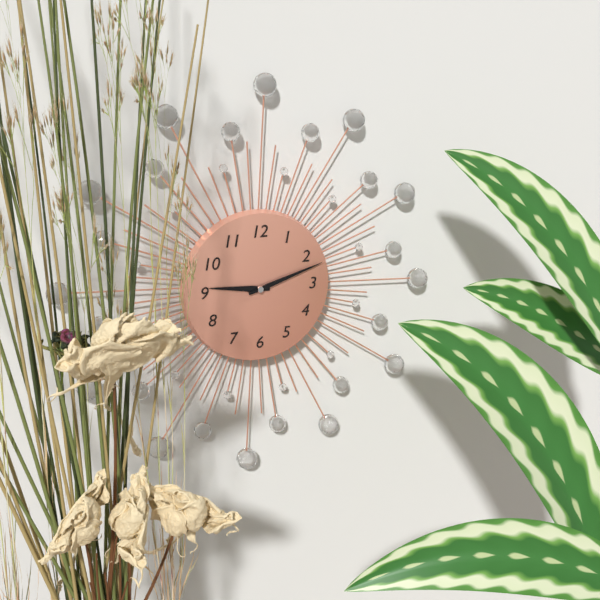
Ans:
h=9 m=12
